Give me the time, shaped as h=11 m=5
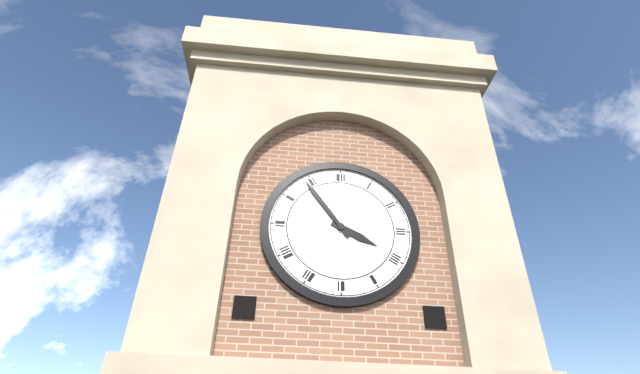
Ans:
h=3 m=54
